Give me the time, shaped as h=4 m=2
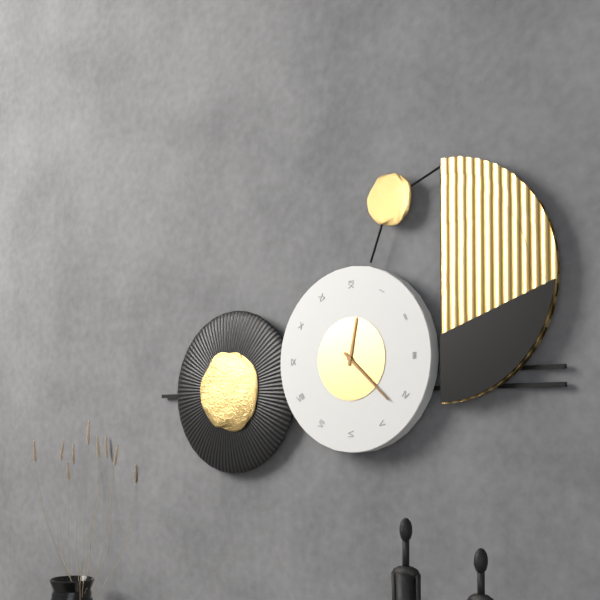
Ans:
h=12 m=22
